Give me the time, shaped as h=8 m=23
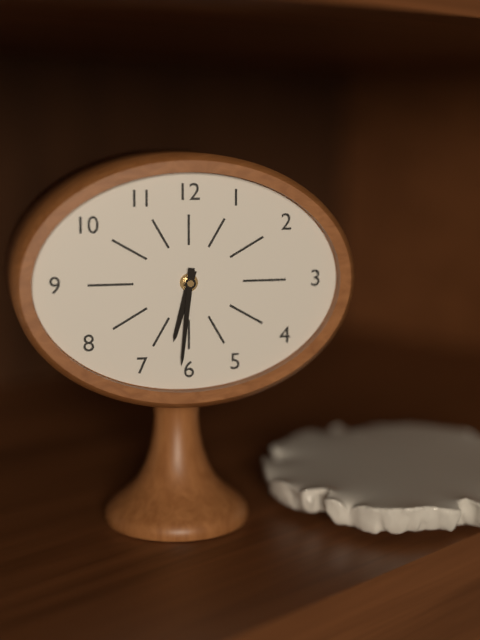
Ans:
h=6 m=31
